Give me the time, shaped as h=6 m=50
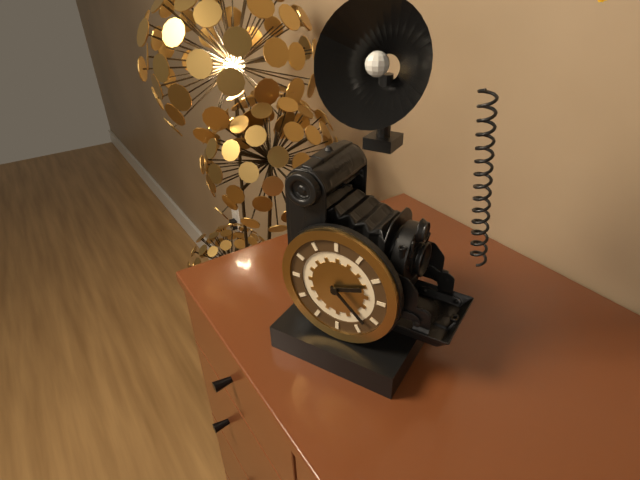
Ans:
h=2 m=22
